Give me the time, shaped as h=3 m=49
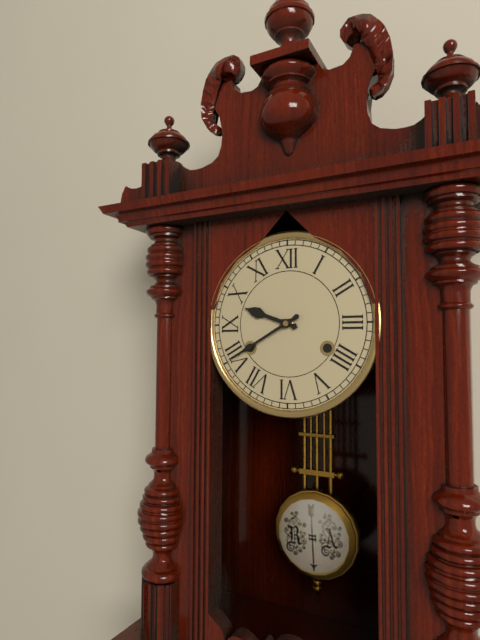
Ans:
h=9 m=40
